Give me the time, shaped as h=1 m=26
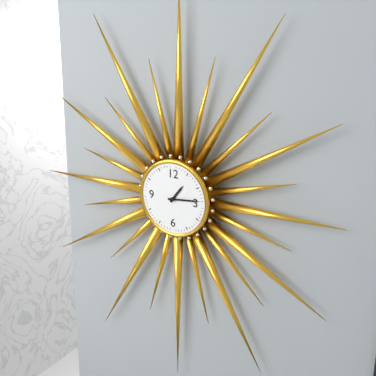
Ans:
h=1 m=14
